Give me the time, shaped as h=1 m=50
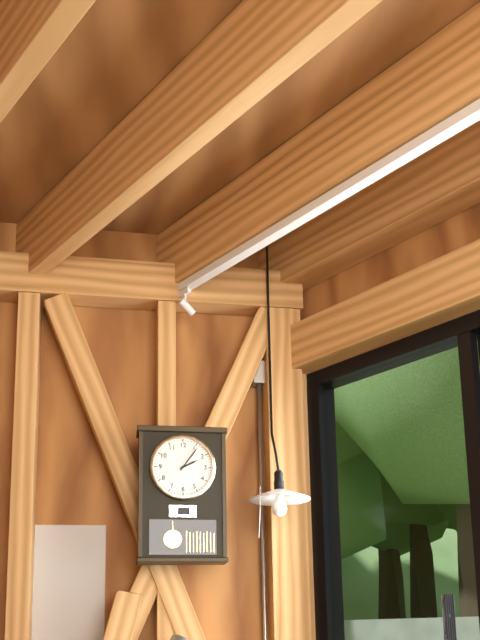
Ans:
h=2 m=6
